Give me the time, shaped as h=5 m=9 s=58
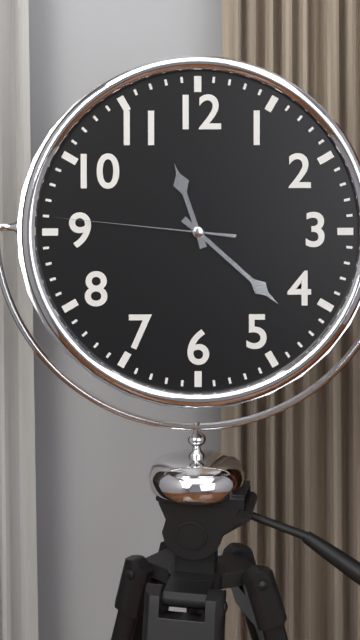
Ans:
h=11 m=22 s=46
